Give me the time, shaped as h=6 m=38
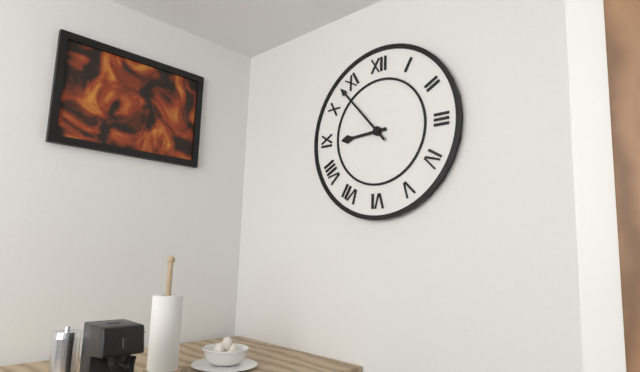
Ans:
h=8 m=53
